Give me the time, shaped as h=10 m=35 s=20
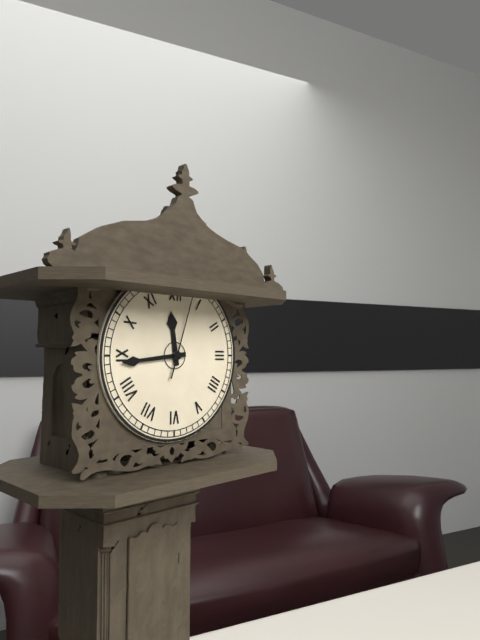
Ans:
h=11 m=44 s=3
